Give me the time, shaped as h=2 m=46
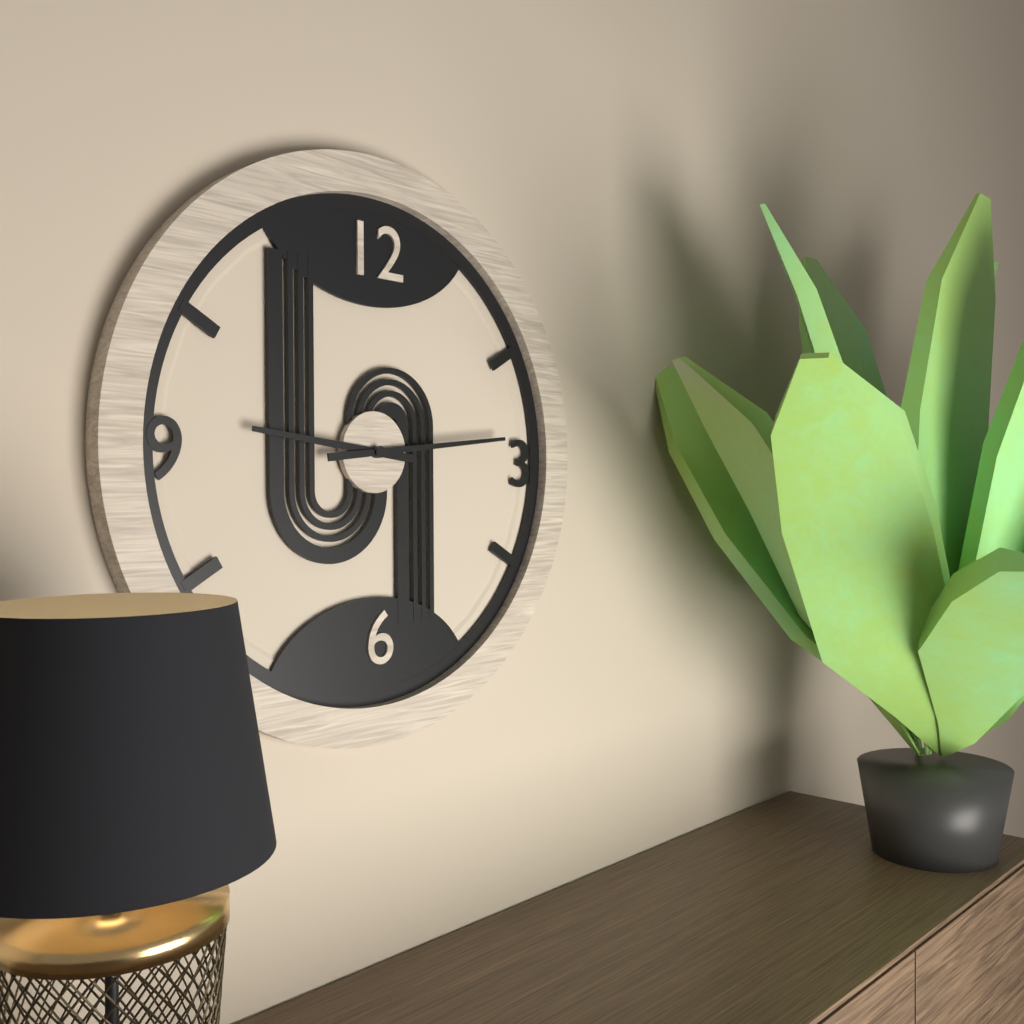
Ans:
h=9 m=14
